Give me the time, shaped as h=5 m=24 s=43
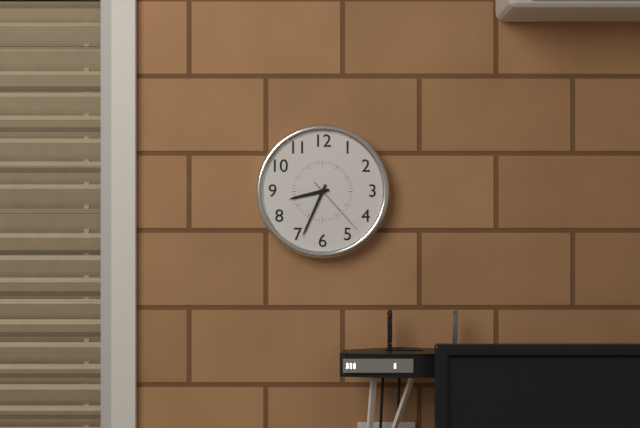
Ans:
h=8 m=34 s=23
